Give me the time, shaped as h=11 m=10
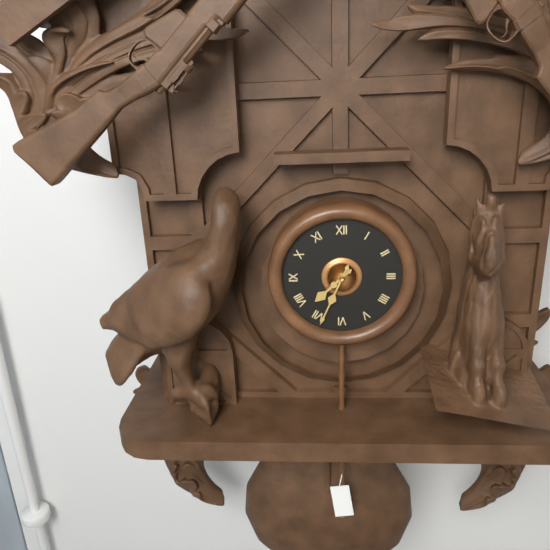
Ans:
h=7 m=34
